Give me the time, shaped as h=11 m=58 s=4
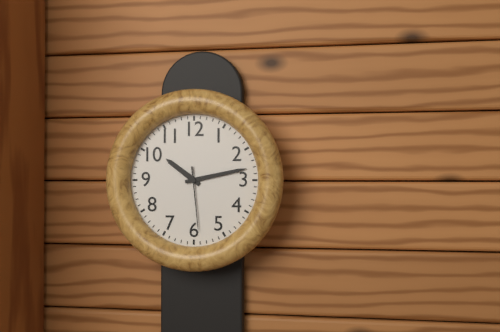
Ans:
h=10 m=13 s=29
